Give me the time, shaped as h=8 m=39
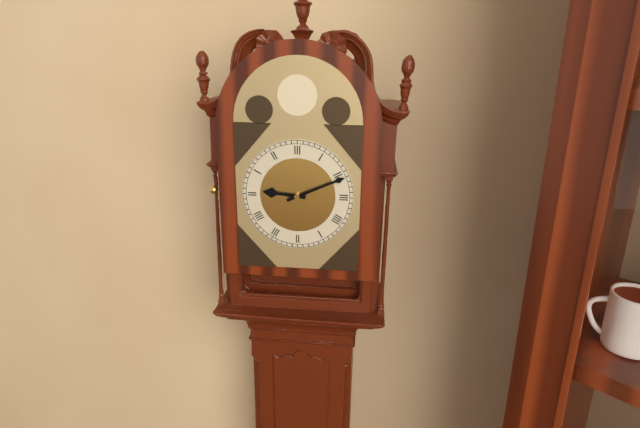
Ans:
h=9 m=11
